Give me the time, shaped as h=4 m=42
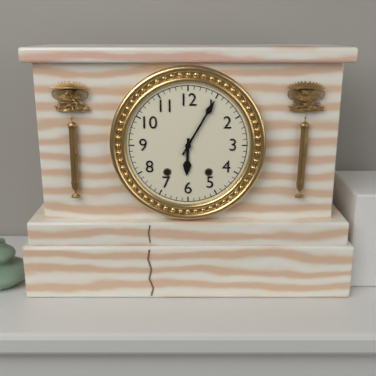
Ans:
h=6 m=5
